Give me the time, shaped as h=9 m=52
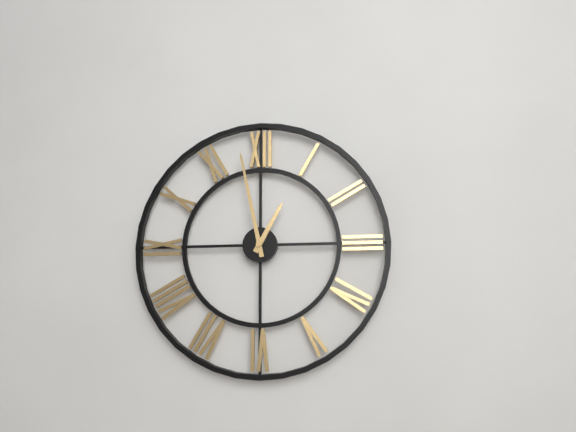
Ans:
h=12 m=58
